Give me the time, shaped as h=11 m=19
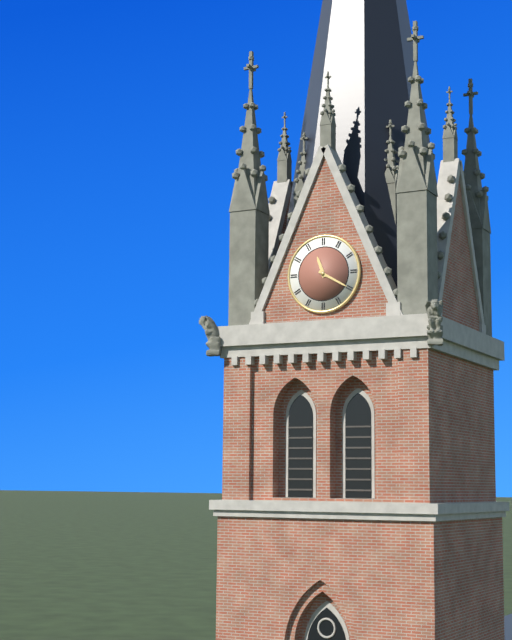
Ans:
h=11 m=20
